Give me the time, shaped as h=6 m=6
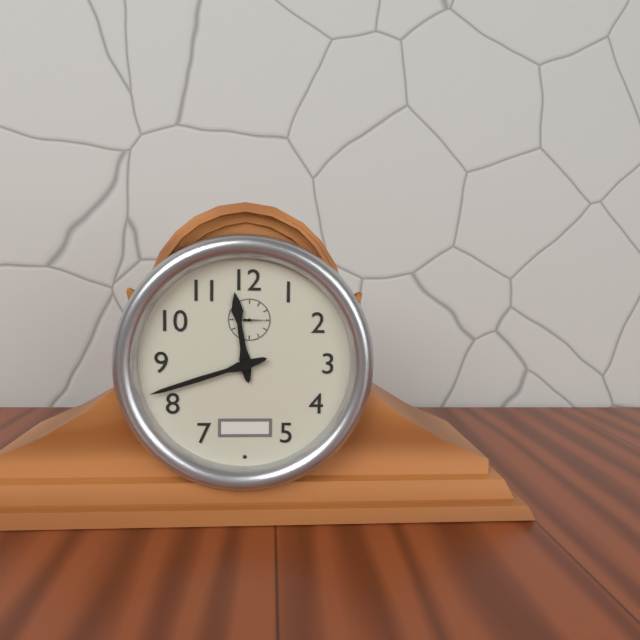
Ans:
h=11 m=42
